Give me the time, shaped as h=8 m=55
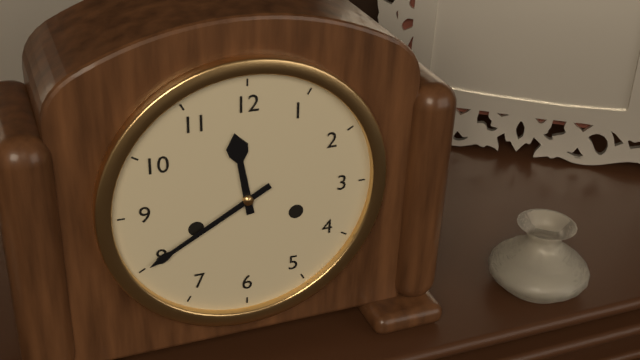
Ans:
h=11 m=40
